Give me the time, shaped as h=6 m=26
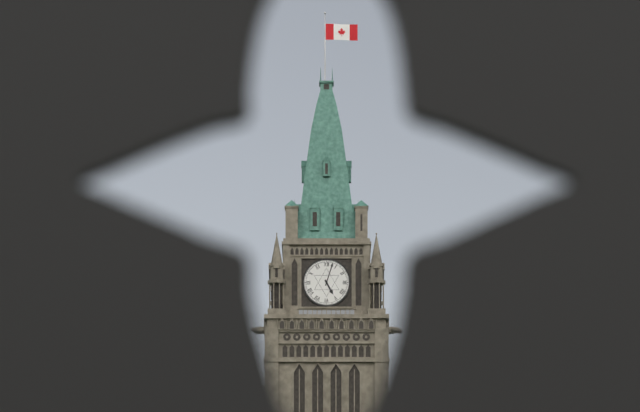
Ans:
h=5 m=3
